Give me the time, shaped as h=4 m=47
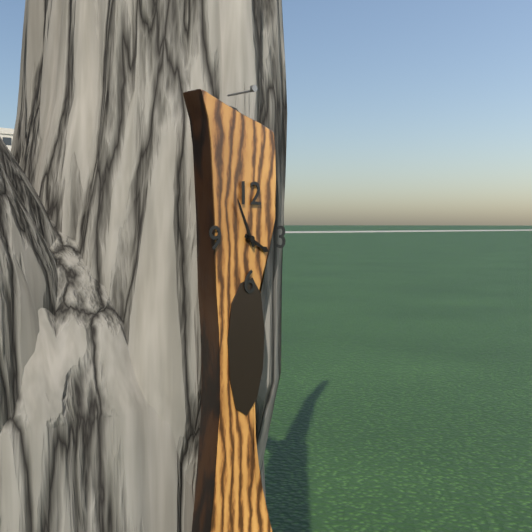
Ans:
h=3 m=56
